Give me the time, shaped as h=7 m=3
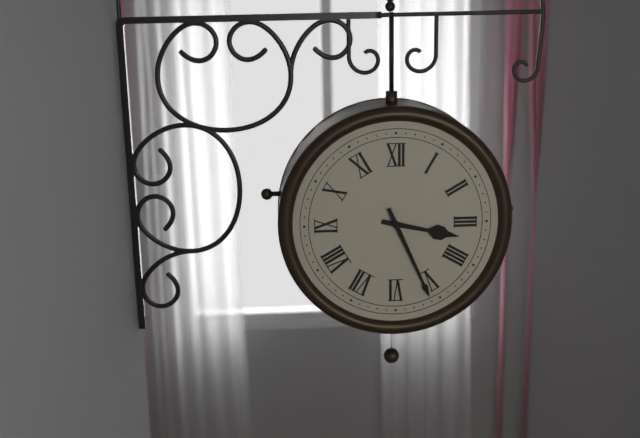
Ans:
h=3 m=26
